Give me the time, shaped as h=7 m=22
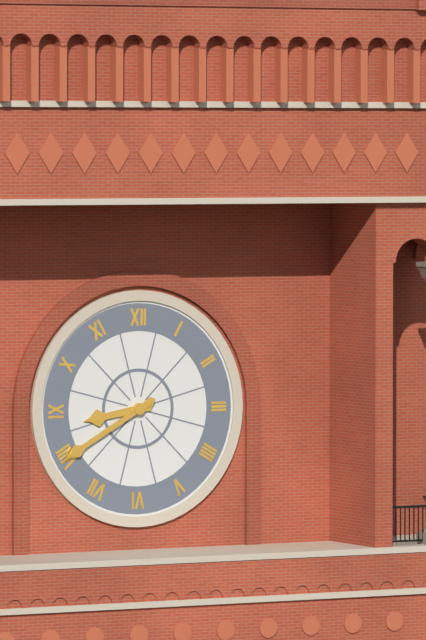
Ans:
h=8 m=40
